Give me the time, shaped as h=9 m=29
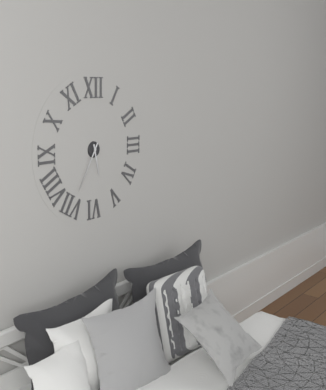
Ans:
h=5 m=35
